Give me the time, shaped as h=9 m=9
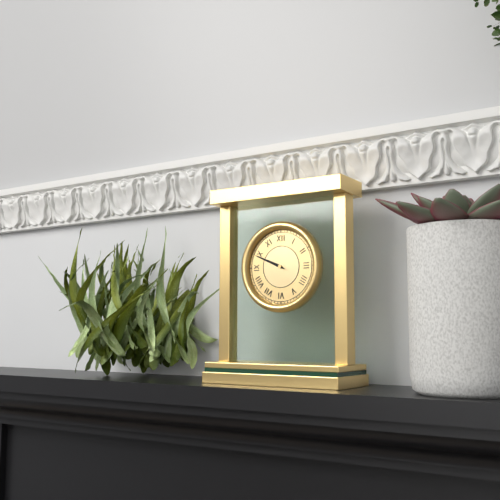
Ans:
h=9 m=49
